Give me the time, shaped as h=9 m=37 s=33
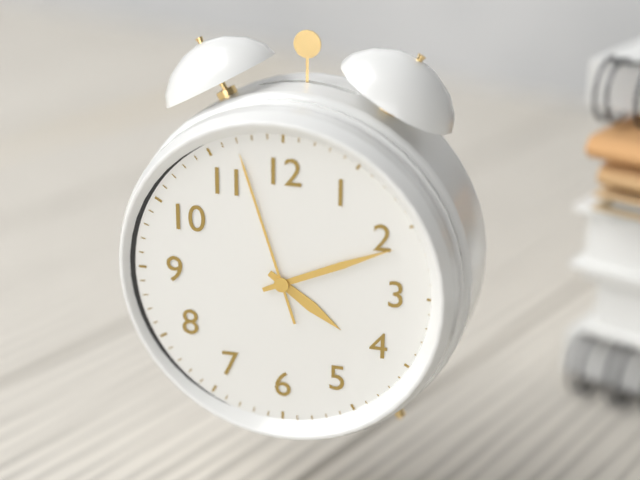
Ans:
h=4 m=11 s=57
